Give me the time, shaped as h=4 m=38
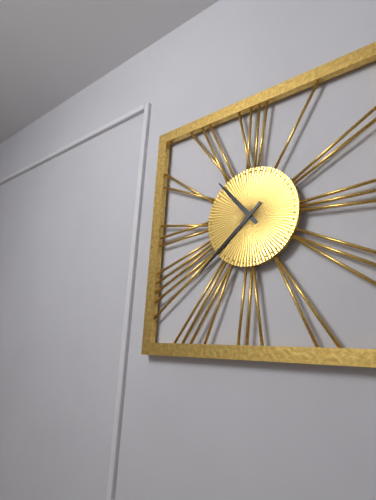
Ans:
h=10 m=38
